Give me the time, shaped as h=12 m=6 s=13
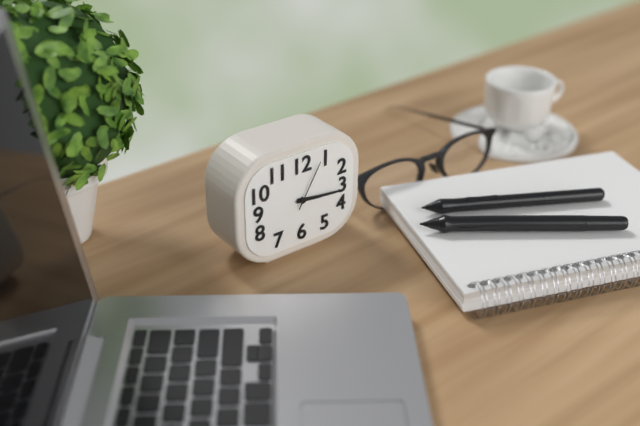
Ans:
h=3 m=16 s=5
